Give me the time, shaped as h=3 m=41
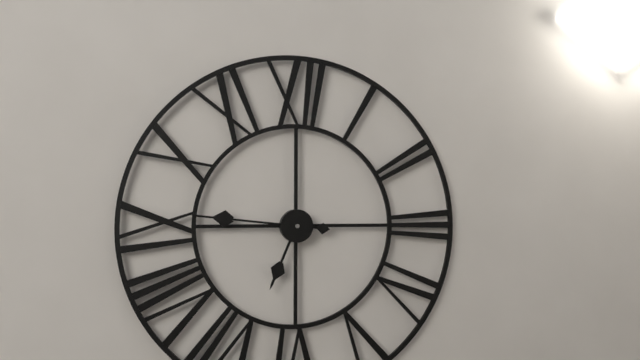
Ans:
h=6 m=46
